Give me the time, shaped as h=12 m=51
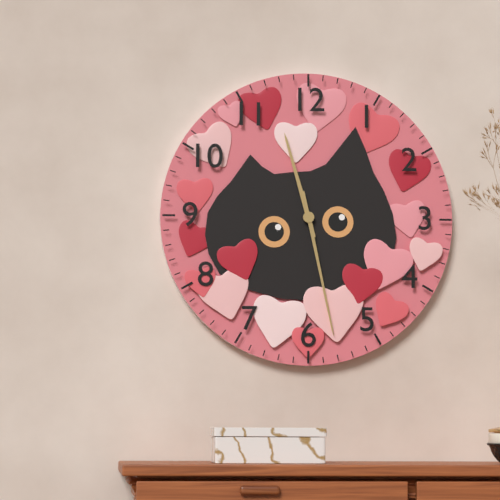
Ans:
h=11 m=28
